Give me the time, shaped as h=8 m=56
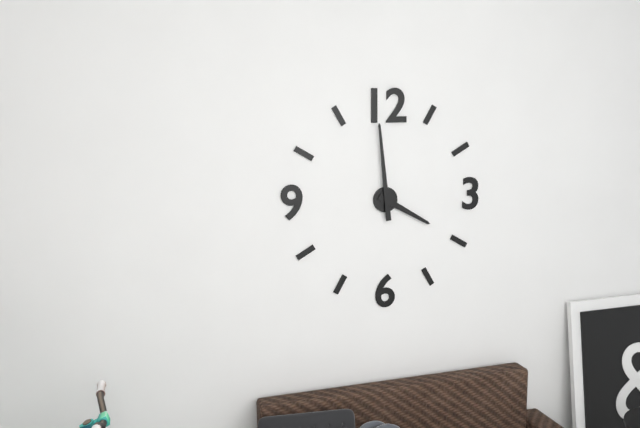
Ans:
h=3 m=59
